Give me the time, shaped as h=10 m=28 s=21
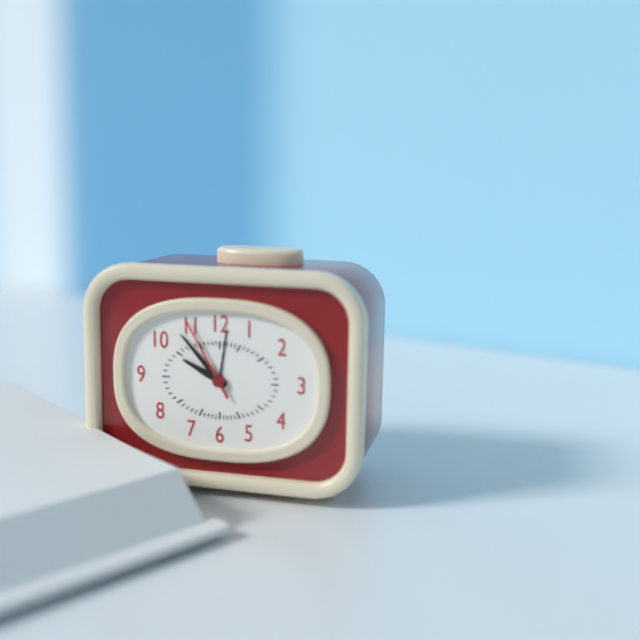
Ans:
h=9 m=53 s=55
